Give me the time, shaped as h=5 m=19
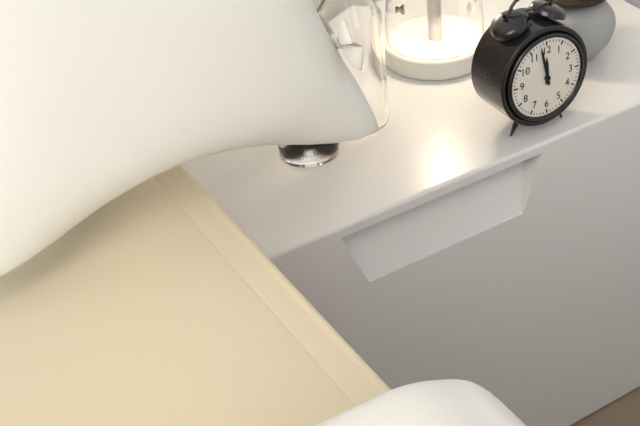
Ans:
h=11 m=58
